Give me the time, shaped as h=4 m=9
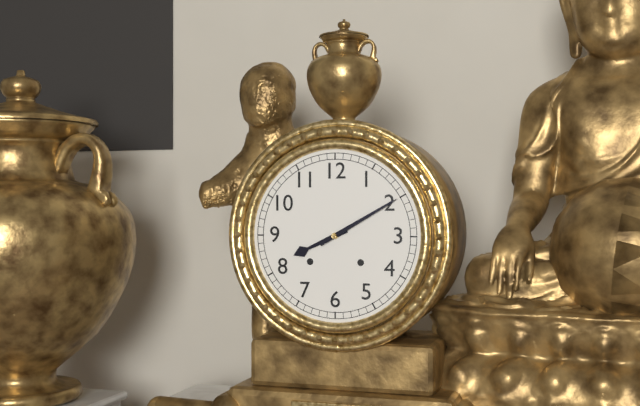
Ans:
h=8 m=10
